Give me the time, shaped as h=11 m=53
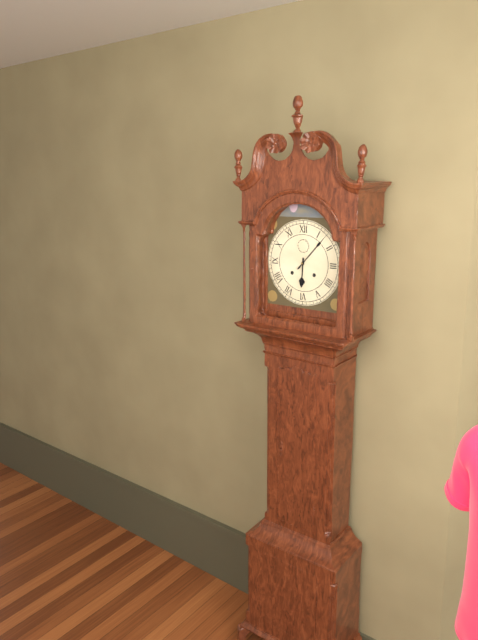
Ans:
h=6 m=7
